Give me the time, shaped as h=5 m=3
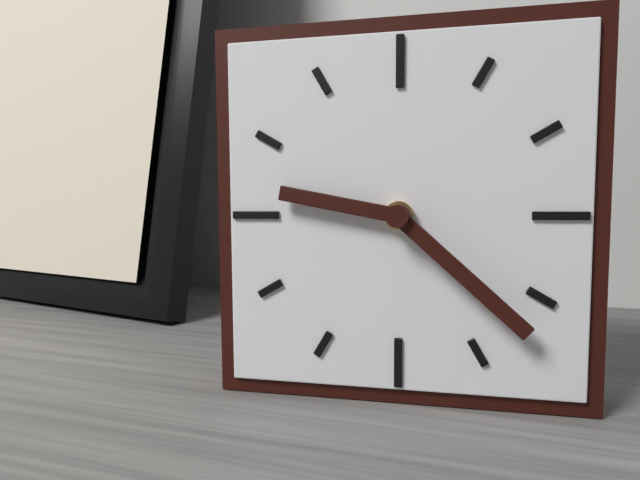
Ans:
h=9 m=22
